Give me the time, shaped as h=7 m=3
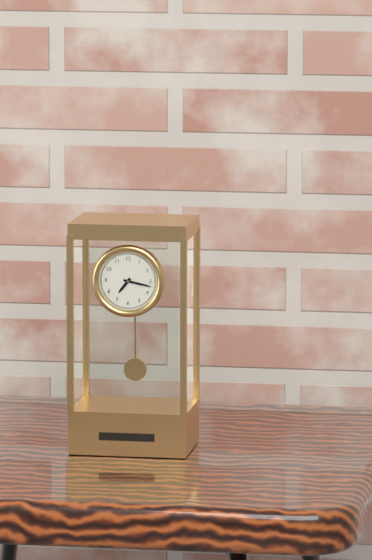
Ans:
h=7 m=17
